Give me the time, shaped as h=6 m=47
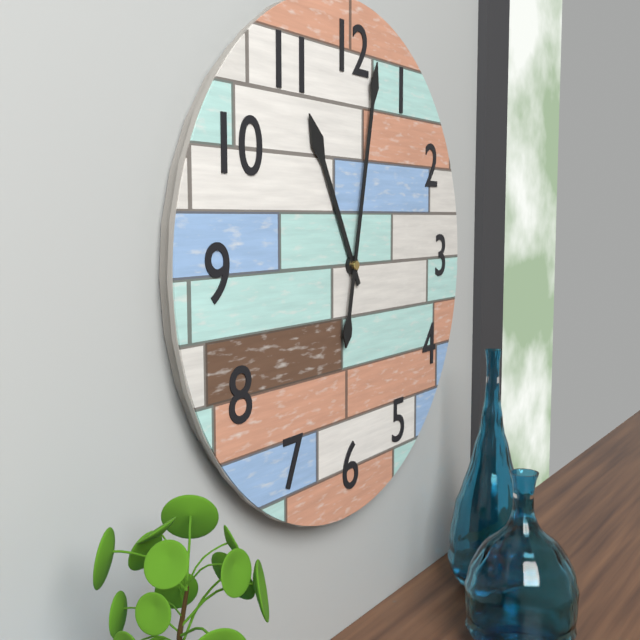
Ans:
h=11 m=2
